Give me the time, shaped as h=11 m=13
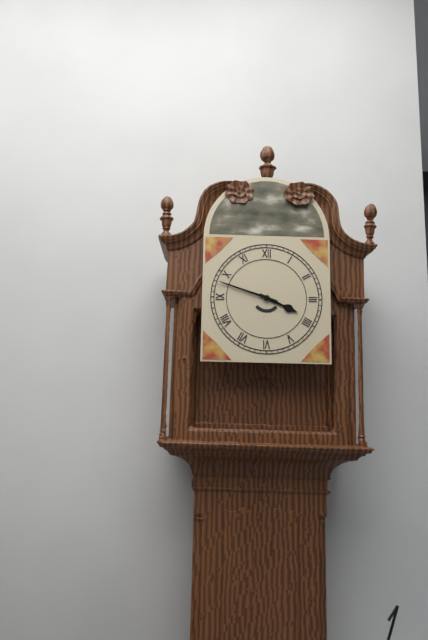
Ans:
h=3 m=48
